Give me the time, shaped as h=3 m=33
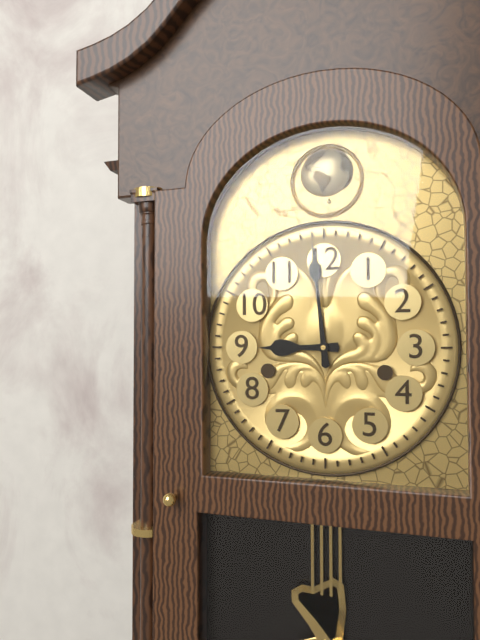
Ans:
h=8 m=59
